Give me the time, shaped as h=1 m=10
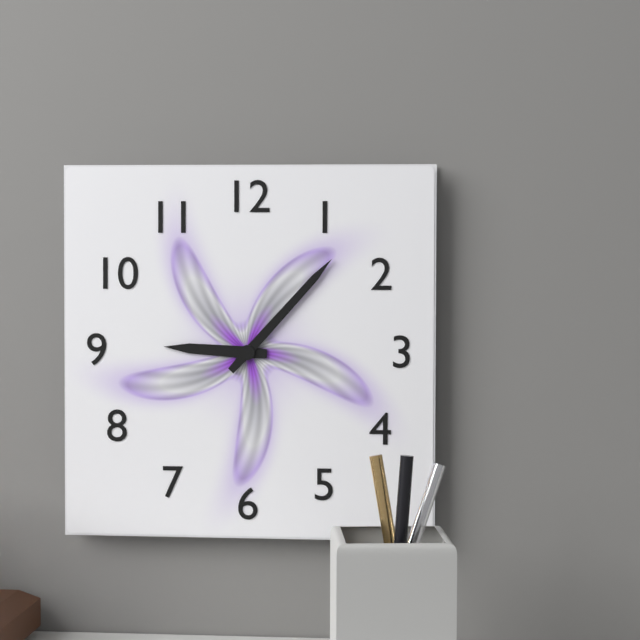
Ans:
h=9 m=7
